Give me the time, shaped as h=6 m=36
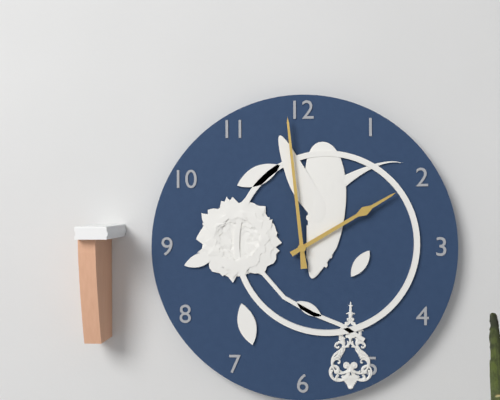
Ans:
h=1 m=59
